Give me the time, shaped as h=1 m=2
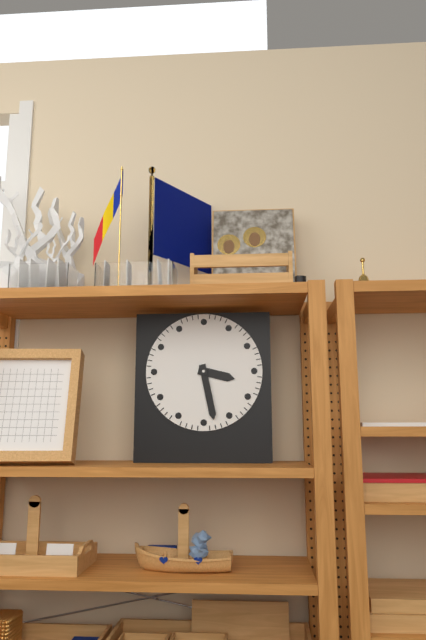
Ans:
h=3 m=28
